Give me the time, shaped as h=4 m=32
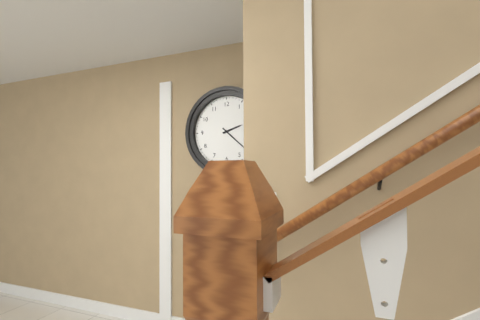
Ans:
h=2 m=22
